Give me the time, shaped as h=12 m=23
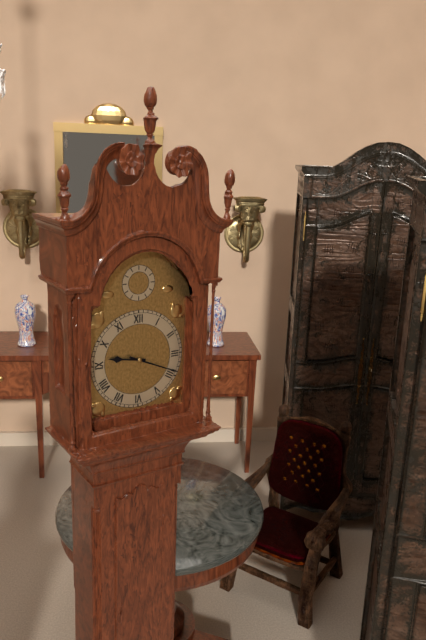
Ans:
h=9 m=19
